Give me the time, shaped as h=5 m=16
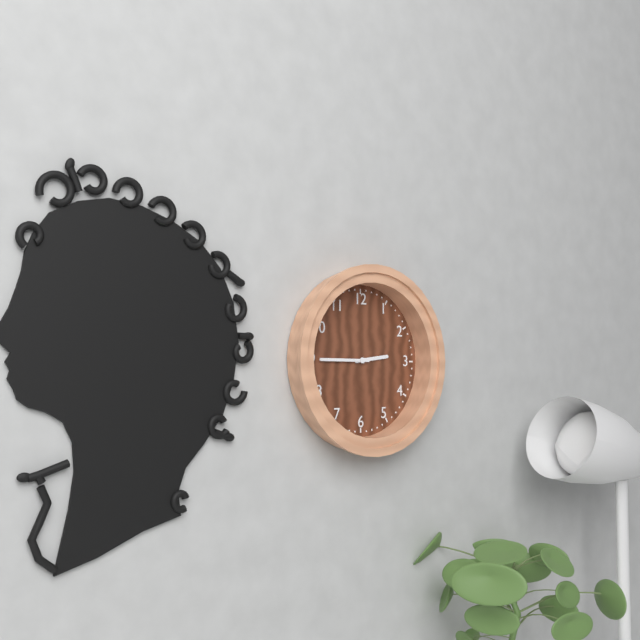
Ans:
h=2 m=45
